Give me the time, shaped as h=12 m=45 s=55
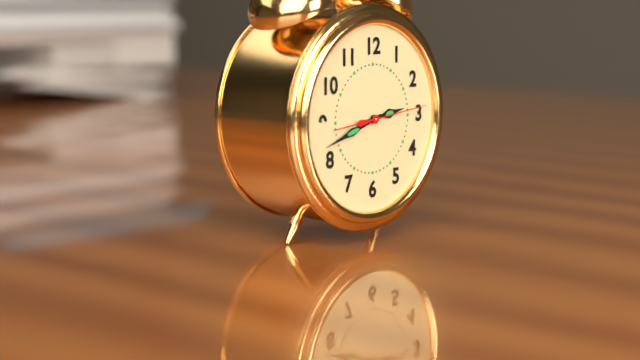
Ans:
h=2 m=42 s=14
